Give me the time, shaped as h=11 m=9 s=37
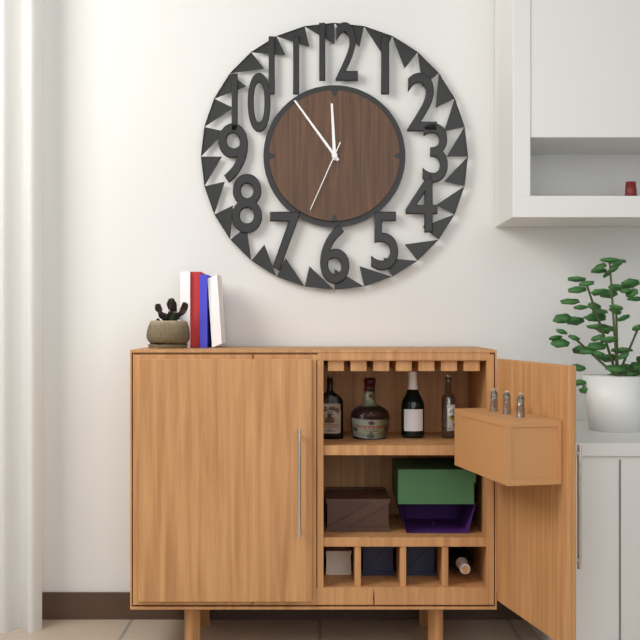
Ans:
h=11 m=54 s=34
